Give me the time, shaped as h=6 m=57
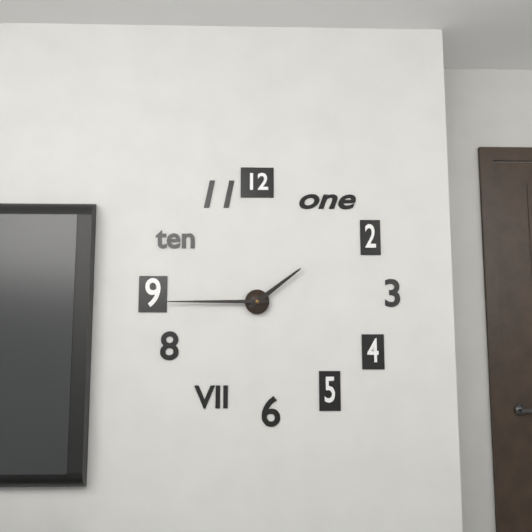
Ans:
h=1 m=45
